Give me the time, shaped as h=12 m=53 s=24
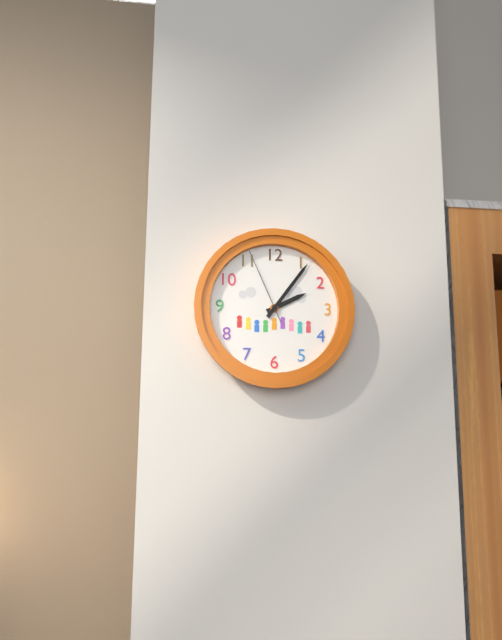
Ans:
h=2 m=6 s=56
